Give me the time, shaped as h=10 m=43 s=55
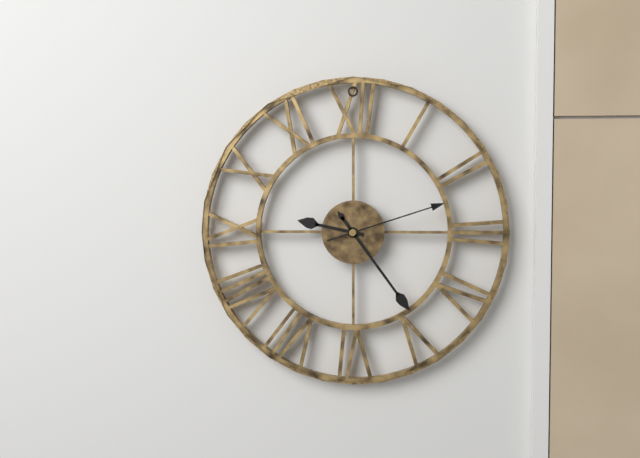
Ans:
h=9 m=24 s=12
